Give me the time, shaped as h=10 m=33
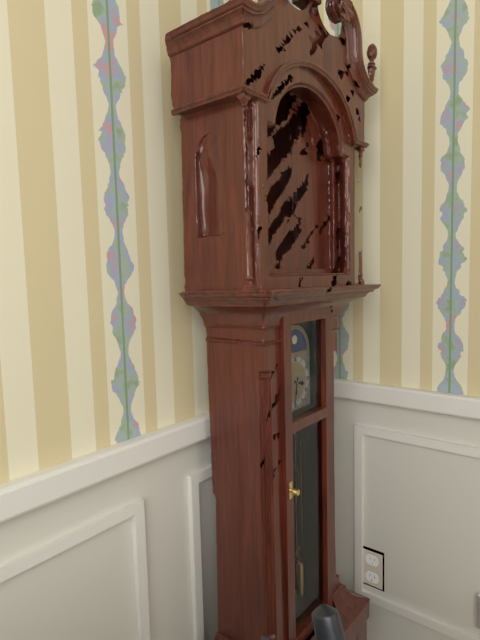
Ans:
h=3 m=32
